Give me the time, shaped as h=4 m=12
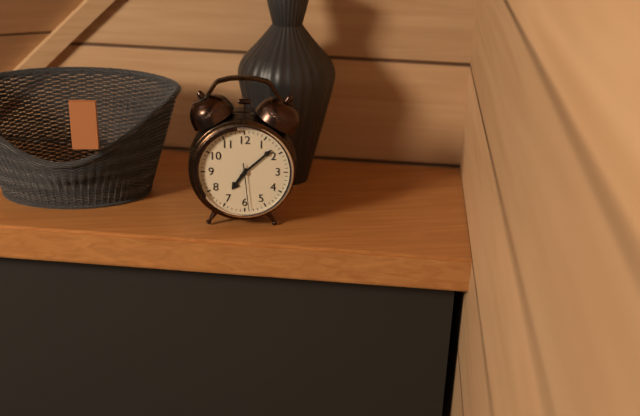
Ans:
h=7 m=8
